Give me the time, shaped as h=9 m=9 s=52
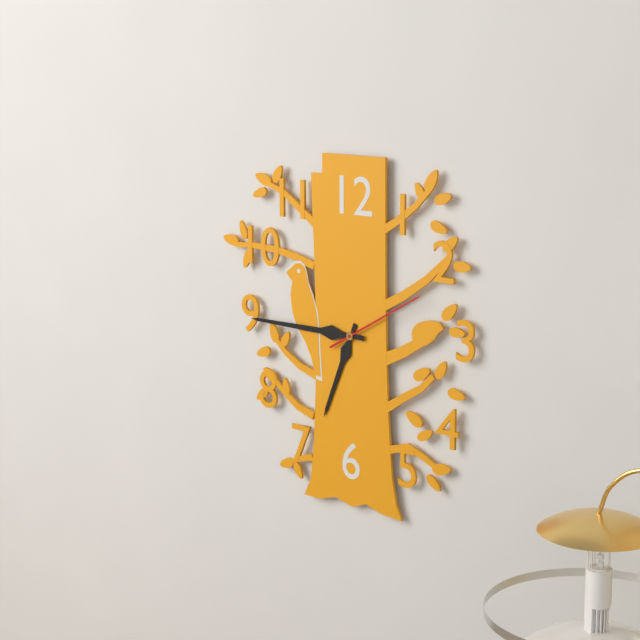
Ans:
h=6 m=45 s=10
